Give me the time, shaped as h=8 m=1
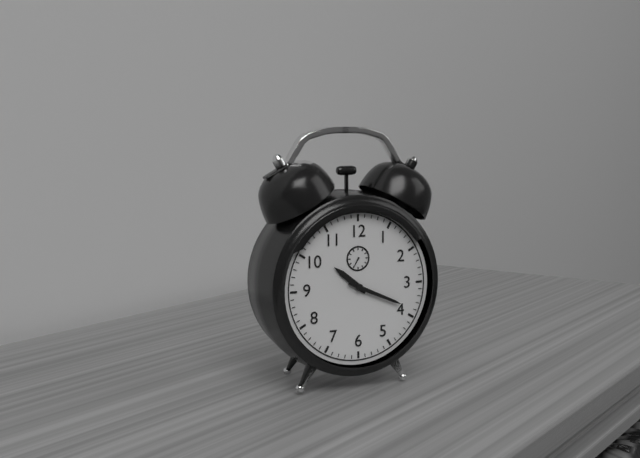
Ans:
h=10 m=19
